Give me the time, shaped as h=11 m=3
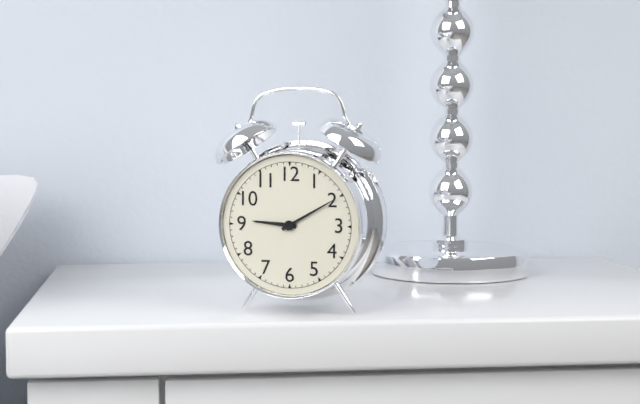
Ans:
h=9 m=10
